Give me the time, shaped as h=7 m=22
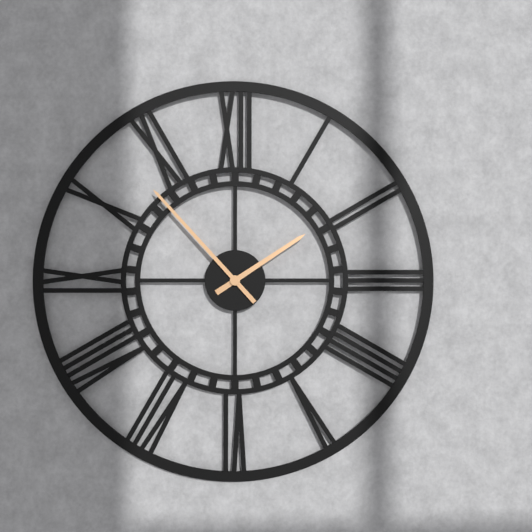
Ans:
h=1 m=53
